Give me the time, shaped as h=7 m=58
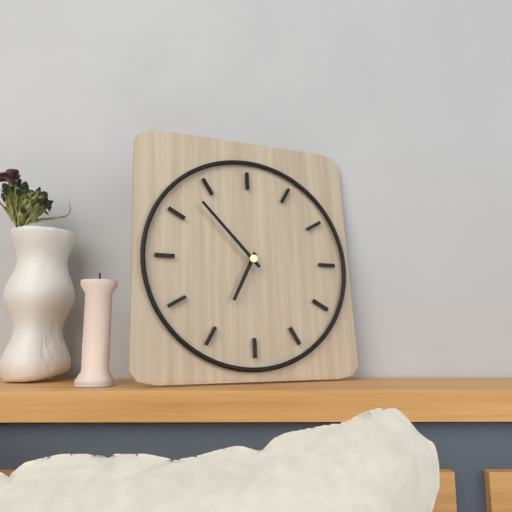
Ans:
h=6 m=53
